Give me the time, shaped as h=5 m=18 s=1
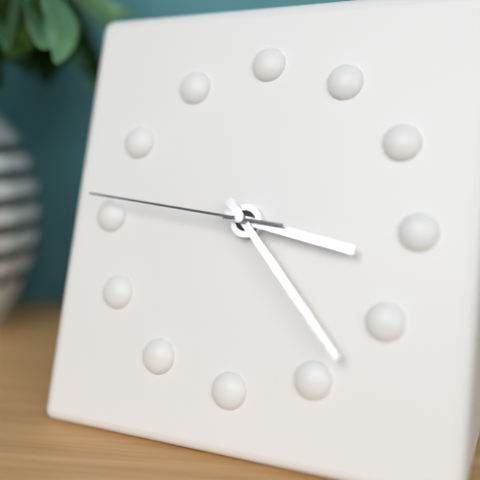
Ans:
h=3 m=23 s=46
